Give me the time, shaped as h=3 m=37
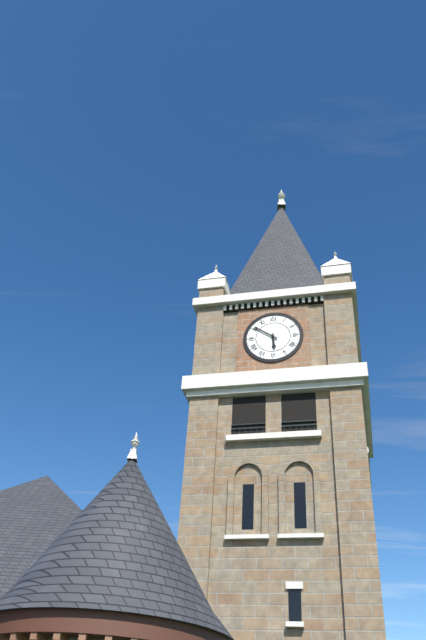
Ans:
h=5 m=51
